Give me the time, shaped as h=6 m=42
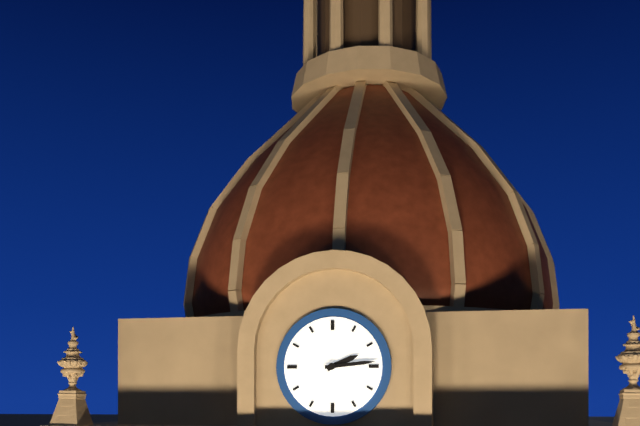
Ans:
h=2 m=14
